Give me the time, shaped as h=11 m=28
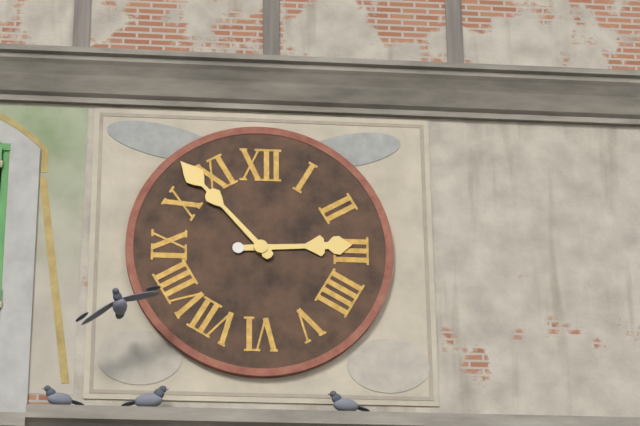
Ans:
h=2 m=53
